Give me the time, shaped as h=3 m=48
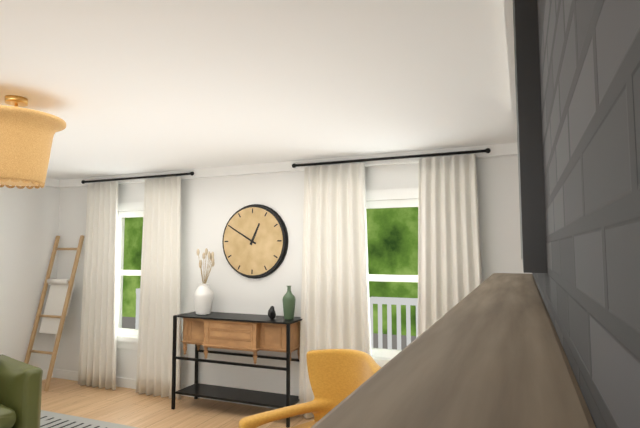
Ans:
h=12 m=50
